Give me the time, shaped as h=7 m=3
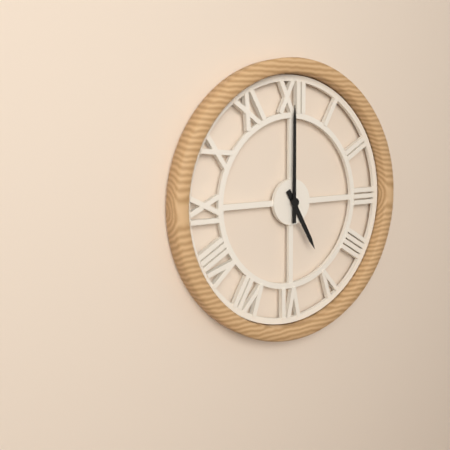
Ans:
h=5 m=0
